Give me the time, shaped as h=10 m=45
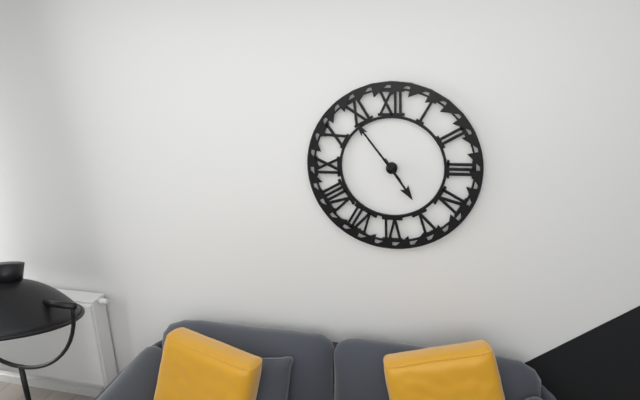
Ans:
h=4 m=54
